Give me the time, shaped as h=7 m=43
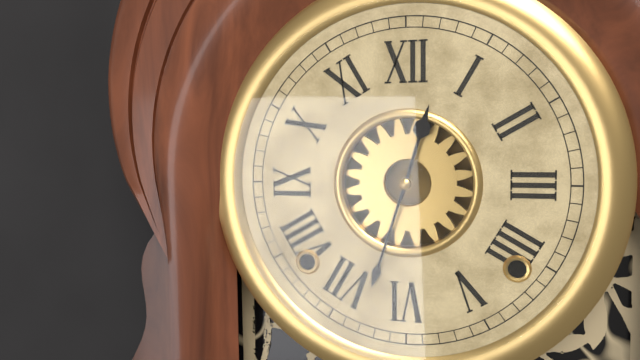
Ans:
h=12 m=33
